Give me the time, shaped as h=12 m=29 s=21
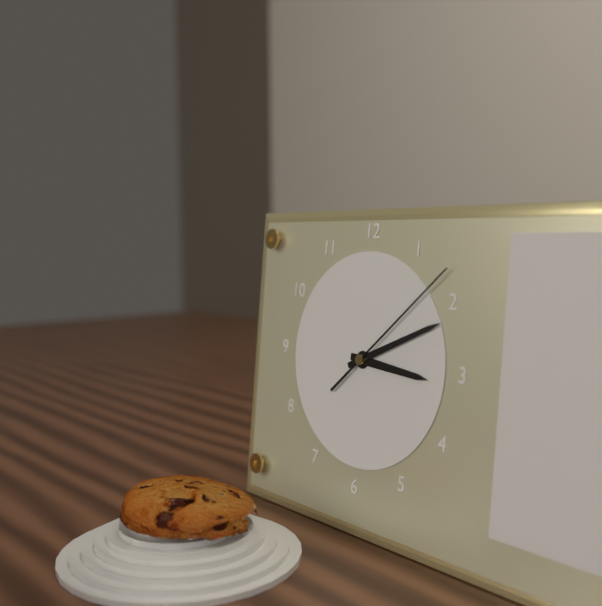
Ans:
h=3 m=11 s=8
